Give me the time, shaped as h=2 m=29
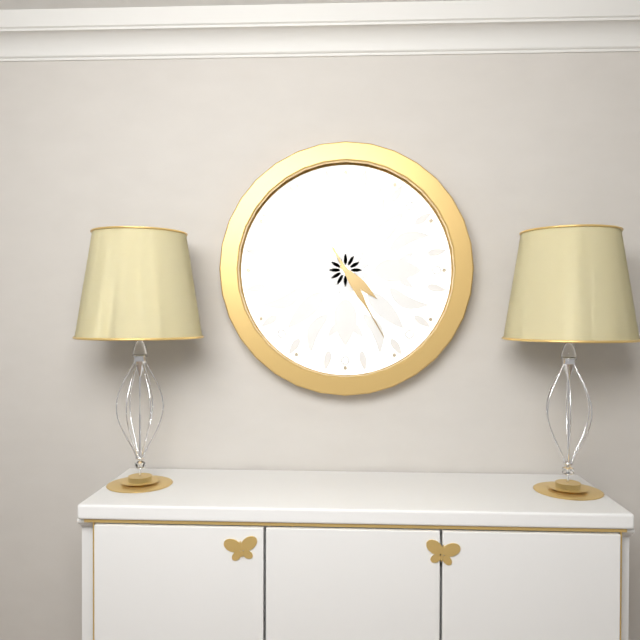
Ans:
h=4 m=25
